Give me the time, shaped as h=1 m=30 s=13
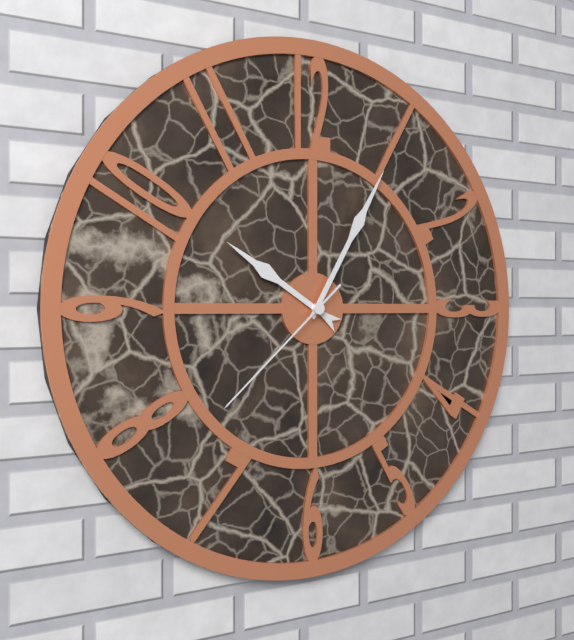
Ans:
h=10 m=5 s=38
